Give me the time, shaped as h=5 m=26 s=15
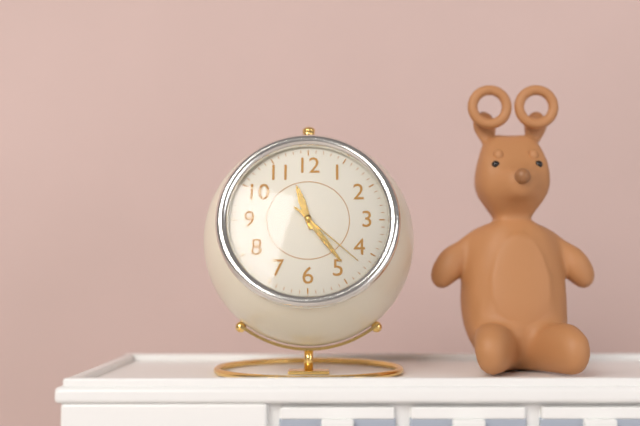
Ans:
h=11 m=24 s=22
